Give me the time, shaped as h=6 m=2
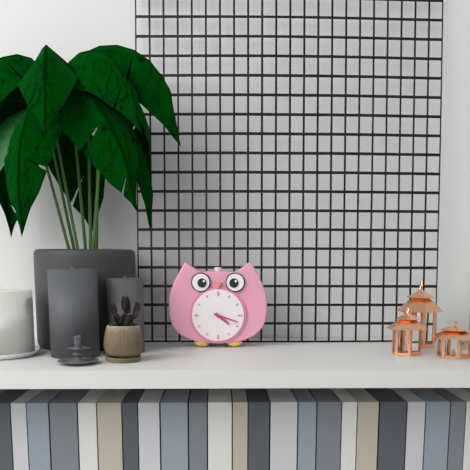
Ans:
h=4 m=18
